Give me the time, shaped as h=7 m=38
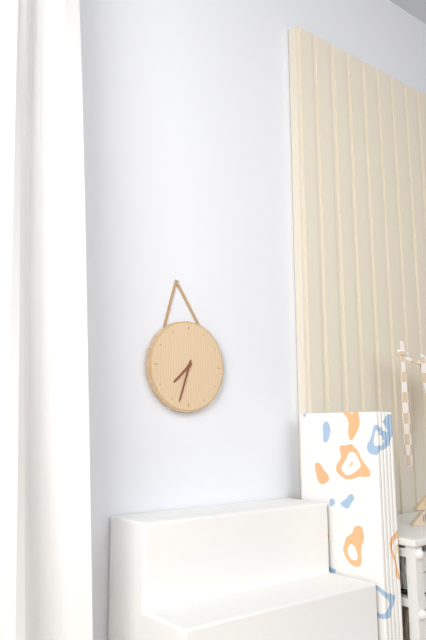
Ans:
h=7 m=33
